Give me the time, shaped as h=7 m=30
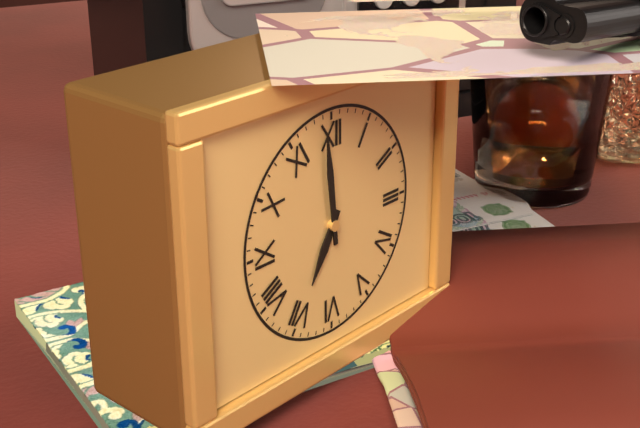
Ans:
h=6 m=59
